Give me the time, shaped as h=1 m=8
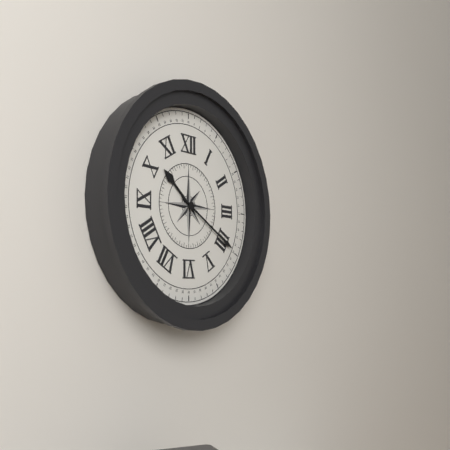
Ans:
h=10 m=20
